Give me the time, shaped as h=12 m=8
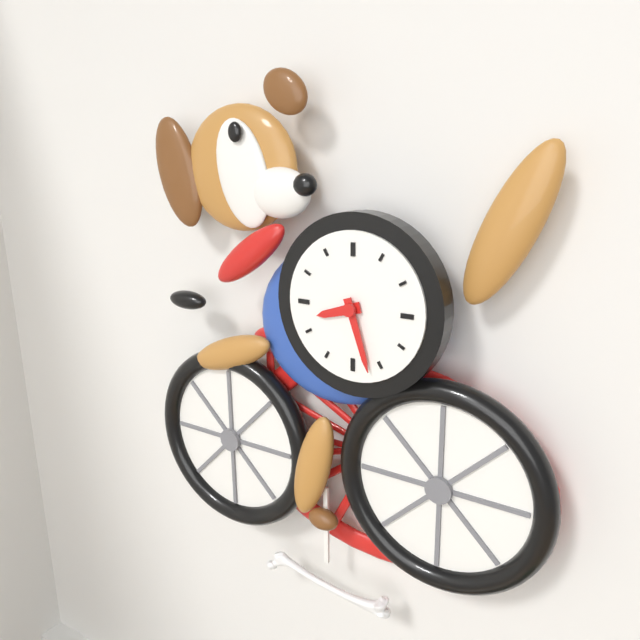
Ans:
h=8 m=27
